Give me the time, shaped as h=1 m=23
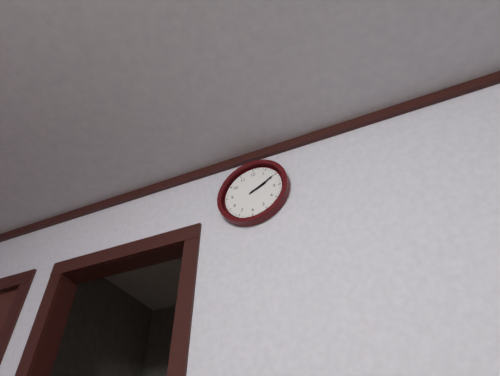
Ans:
h=2 m=10
